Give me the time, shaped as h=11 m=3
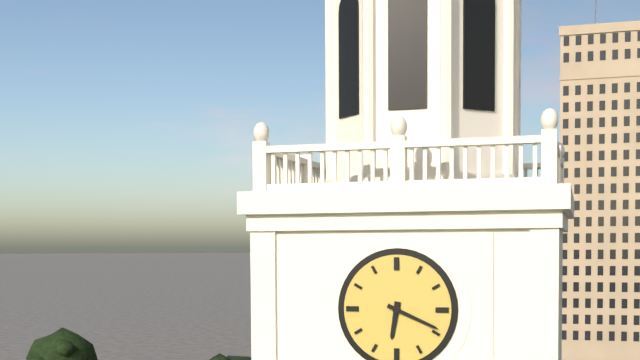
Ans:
h=6 m=19
